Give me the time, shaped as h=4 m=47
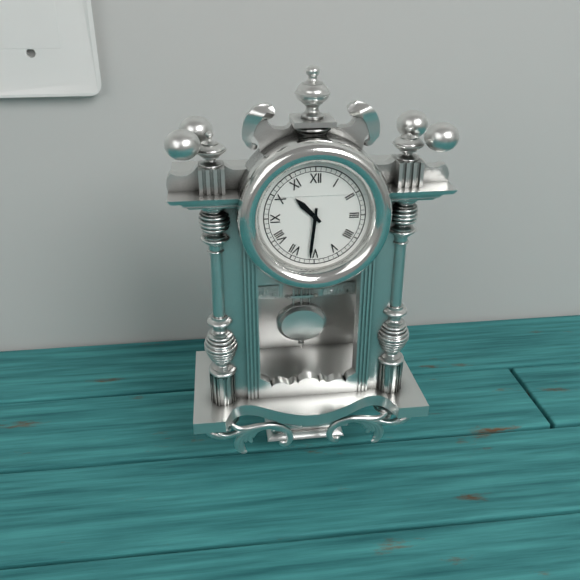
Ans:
h=10 m=31
